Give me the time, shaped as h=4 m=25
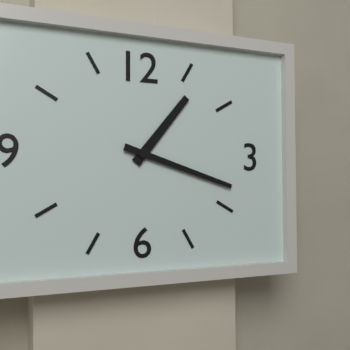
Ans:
h=1 m=18
